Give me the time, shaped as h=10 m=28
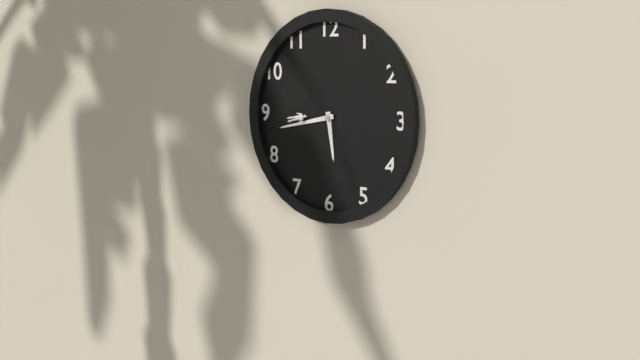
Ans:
h=5 m=43
